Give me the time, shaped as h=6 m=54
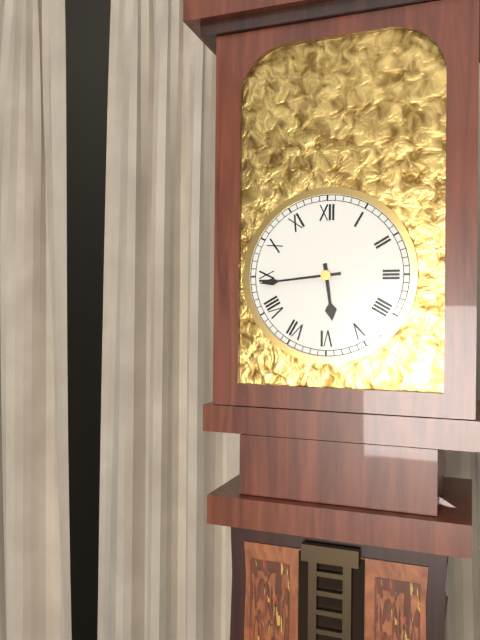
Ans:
h=5 m=44
